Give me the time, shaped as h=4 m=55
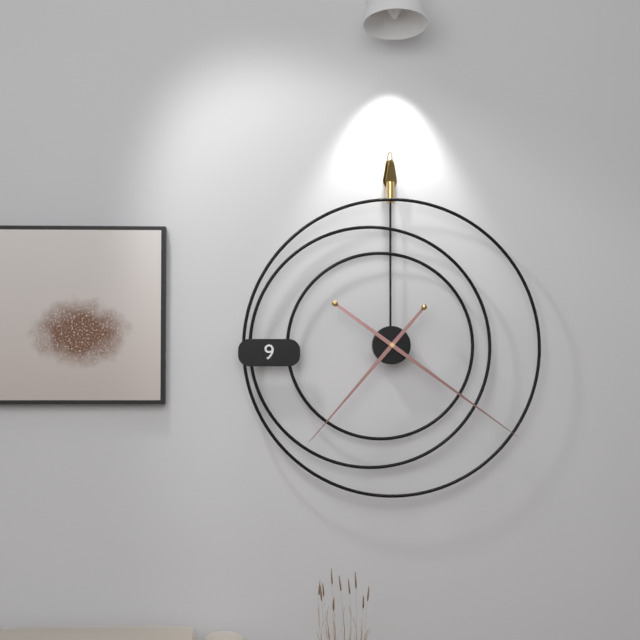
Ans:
h=7 m=21
